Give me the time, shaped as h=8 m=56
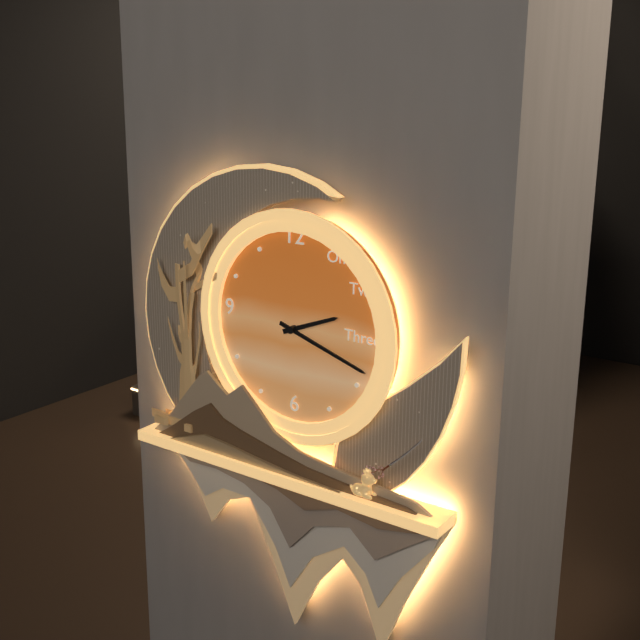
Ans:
h=2 m=18
